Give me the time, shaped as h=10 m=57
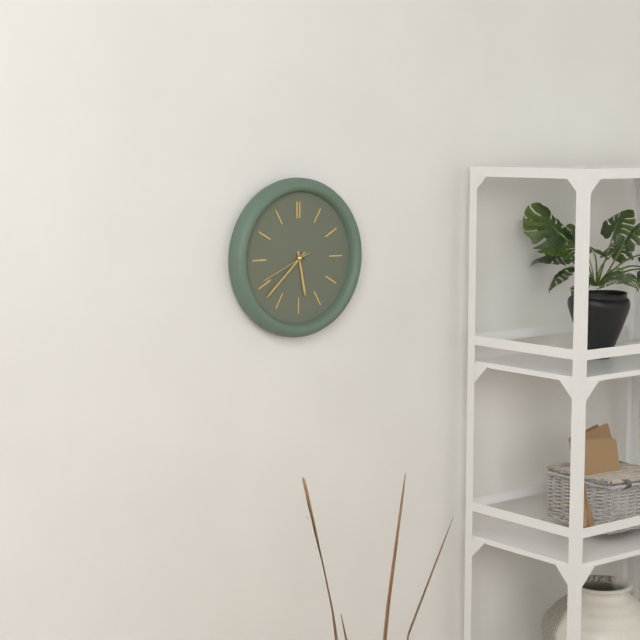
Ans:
h=5 m=38
